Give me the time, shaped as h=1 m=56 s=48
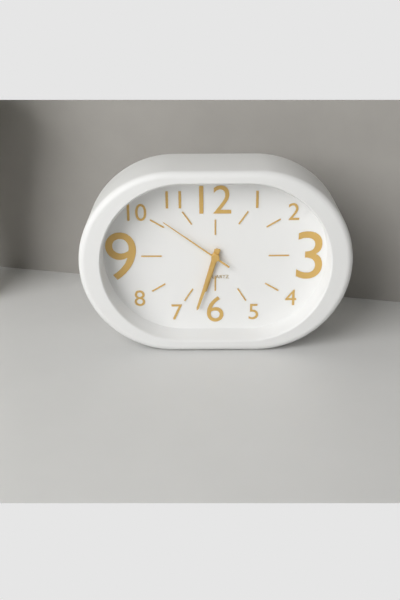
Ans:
h=6 m=33 s=51
